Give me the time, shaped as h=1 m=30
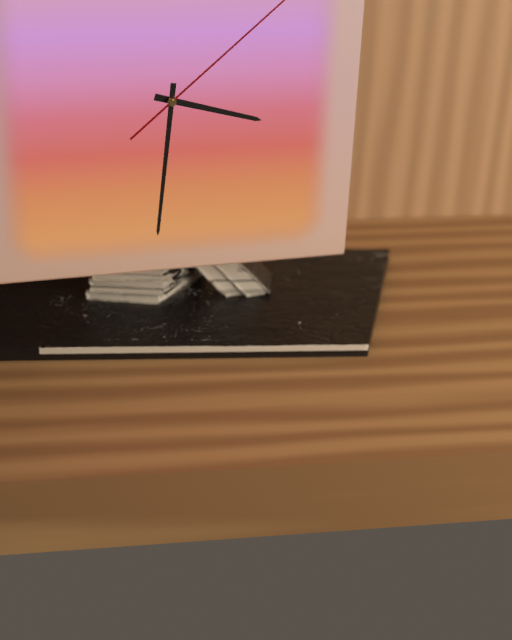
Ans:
h=3 m=31
